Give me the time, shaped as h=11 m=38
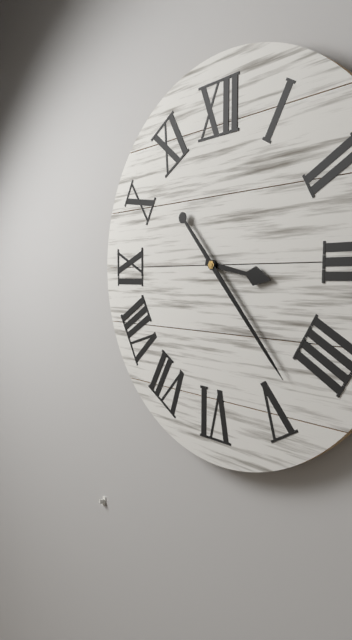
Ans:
h=3 m=23
